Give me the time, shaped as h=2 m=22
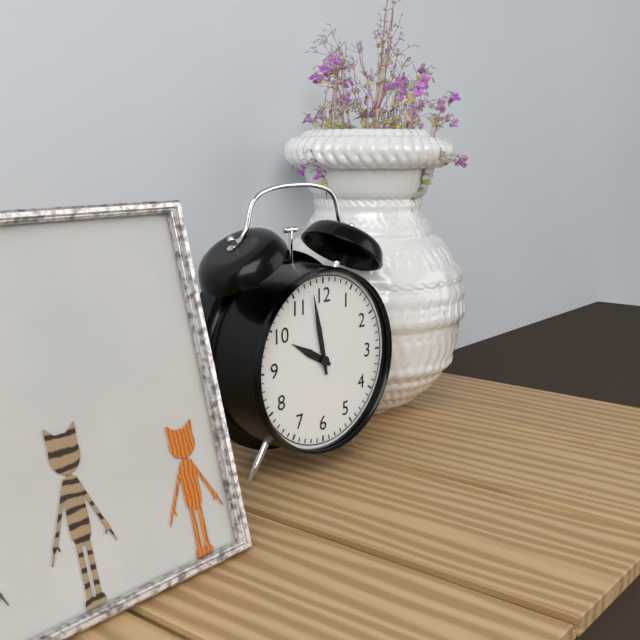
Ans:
h=9 m=58
